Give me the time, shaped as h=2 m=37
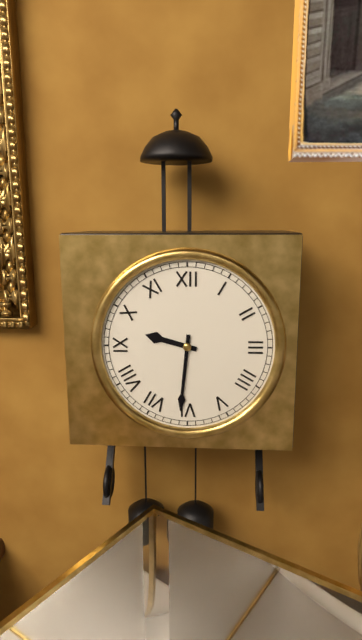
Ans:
h=9 m=31
